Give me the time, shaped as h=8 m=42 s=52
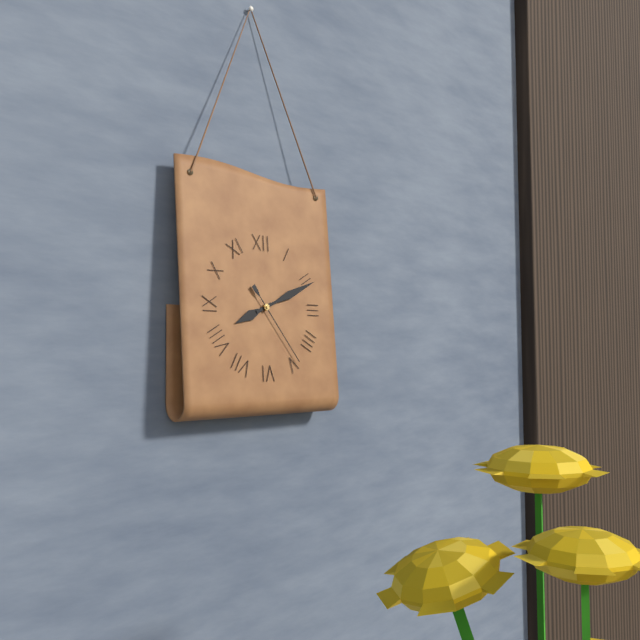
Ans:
h=8 m=11 s=24
